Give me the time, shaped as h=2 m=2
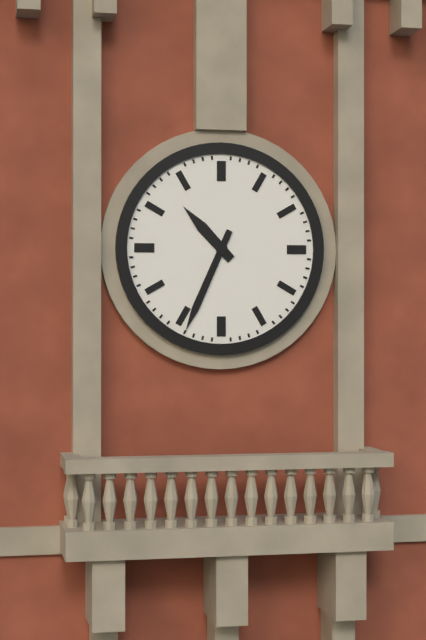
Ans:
h=10 m=34
